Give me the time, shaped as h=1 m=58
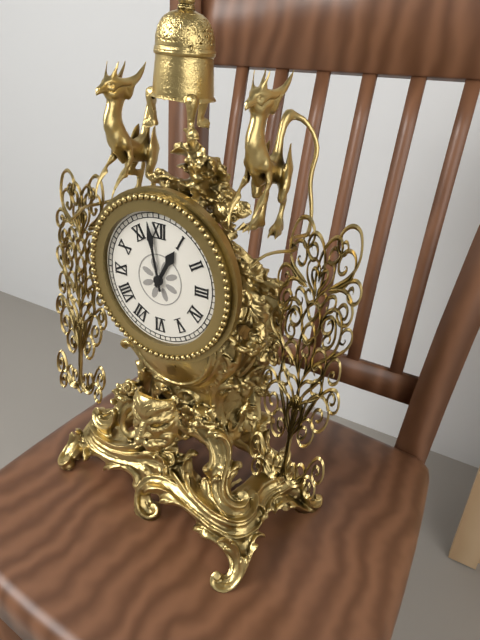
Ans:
h=12 m=58
